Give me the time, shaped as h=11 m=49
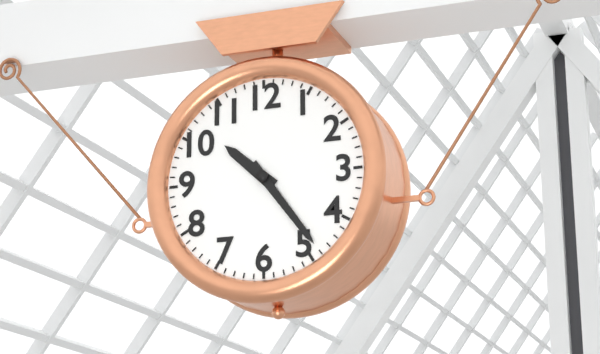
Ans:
h=10 m=24
